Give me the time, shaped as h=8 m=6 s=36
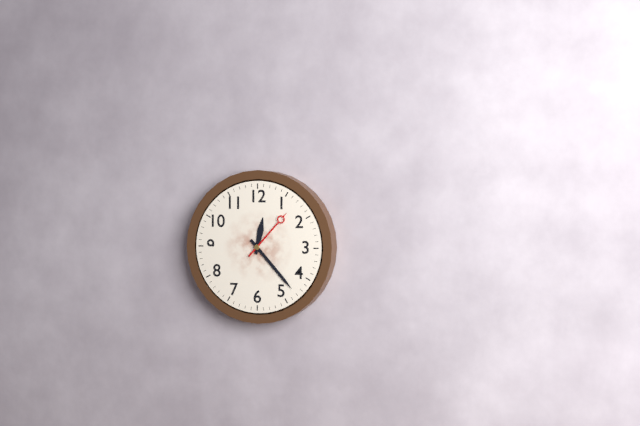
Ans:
h=12 m=23 s=7
